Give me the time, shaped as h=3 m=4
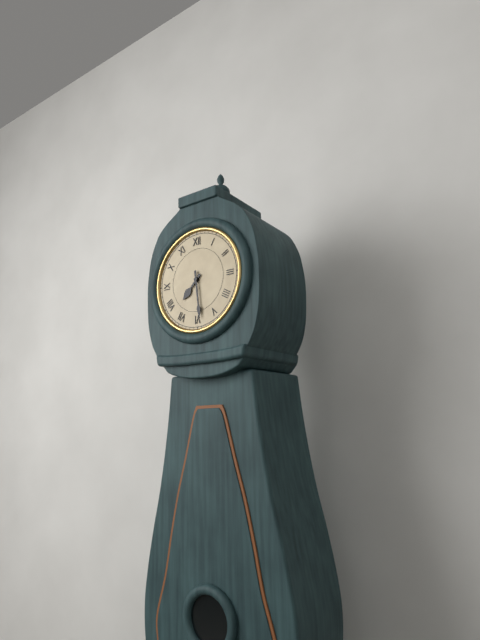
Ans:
h=7 m=29
